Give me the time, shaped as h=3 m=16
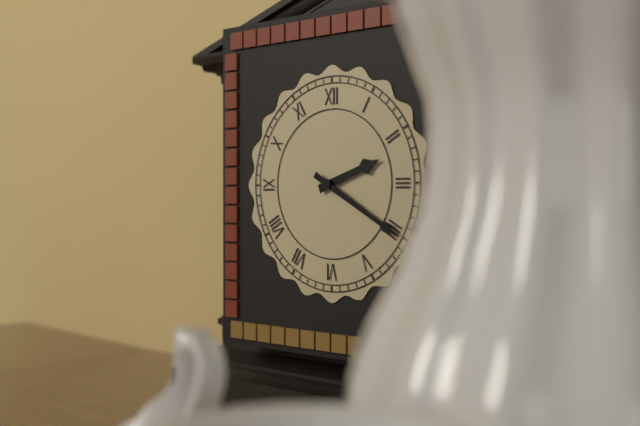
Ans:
h=2 m=20
